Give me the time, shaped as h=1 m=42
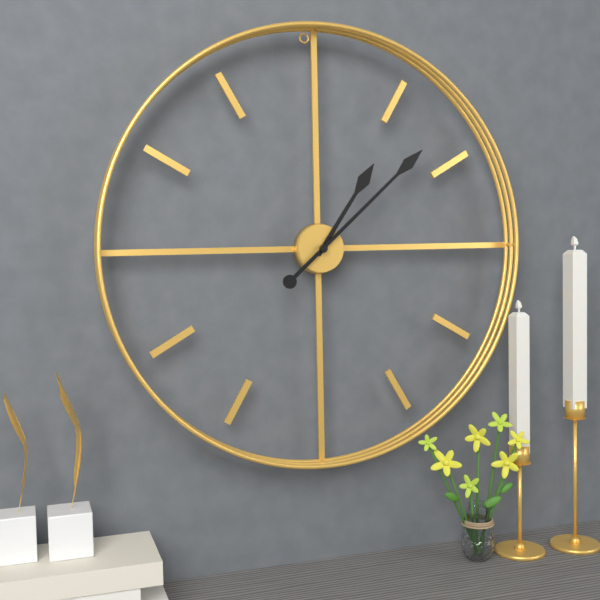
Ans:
h=1 m=8
